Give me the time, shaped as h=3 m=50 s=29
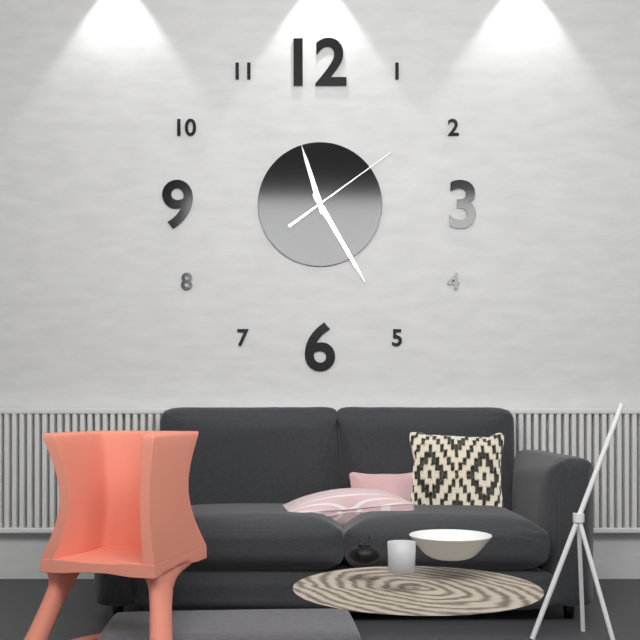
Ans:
h=11 m=25 s=9
